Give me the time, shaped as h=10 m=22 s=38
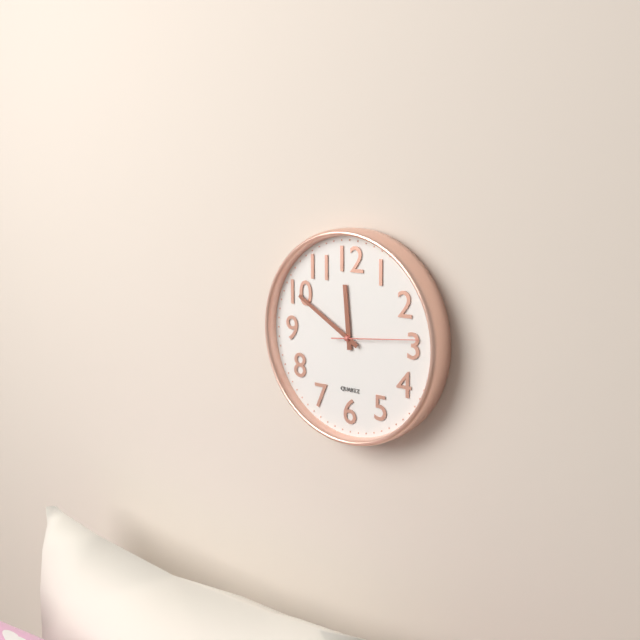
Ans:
h=11 m=50 s=14
